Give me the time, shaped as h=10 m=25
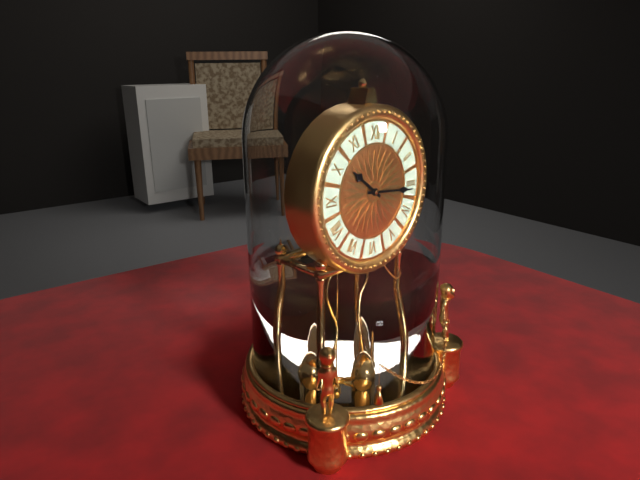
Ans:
h=10 m=16
